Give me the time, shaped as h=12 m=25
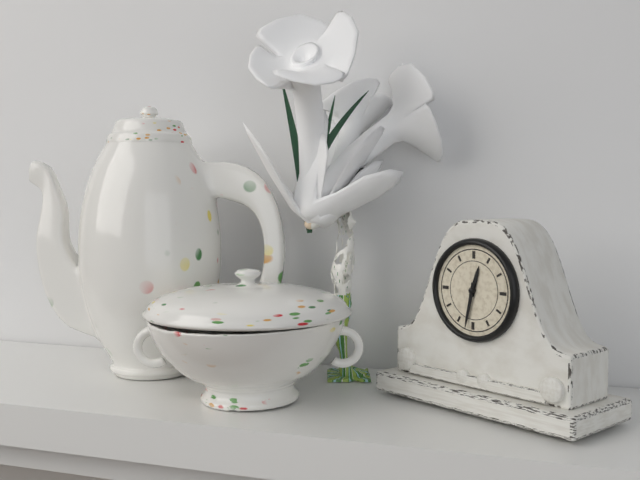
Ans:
h=12 m=32
